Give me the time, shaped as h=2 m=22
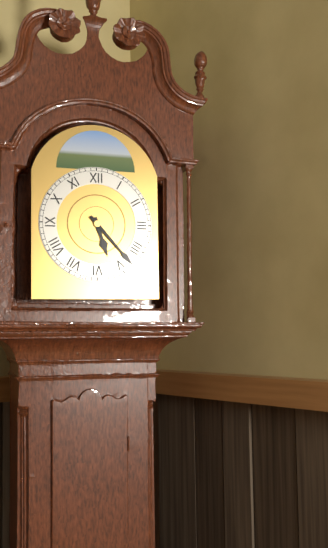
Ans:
h=5 m=23
